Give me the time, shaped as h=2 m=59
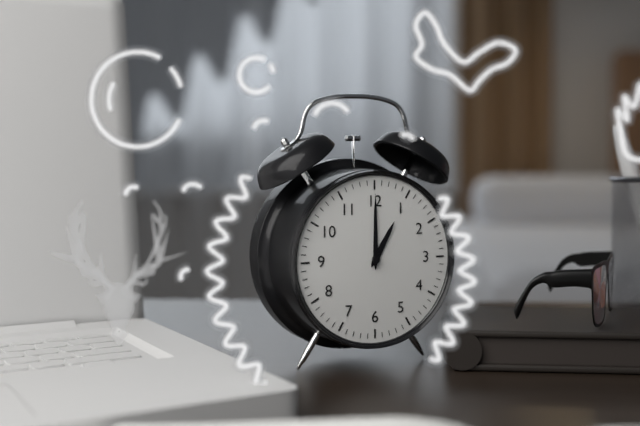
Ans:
h=1 m=0
